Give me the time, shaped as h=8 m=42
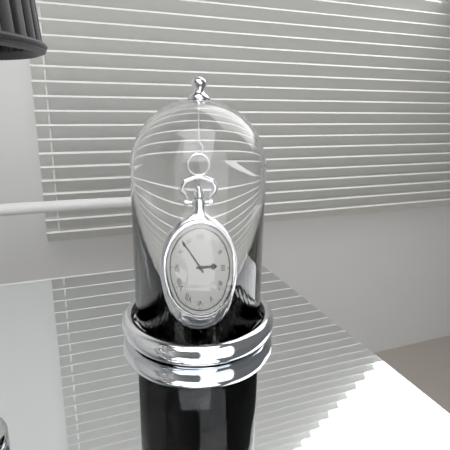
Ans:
h=2 m=53
